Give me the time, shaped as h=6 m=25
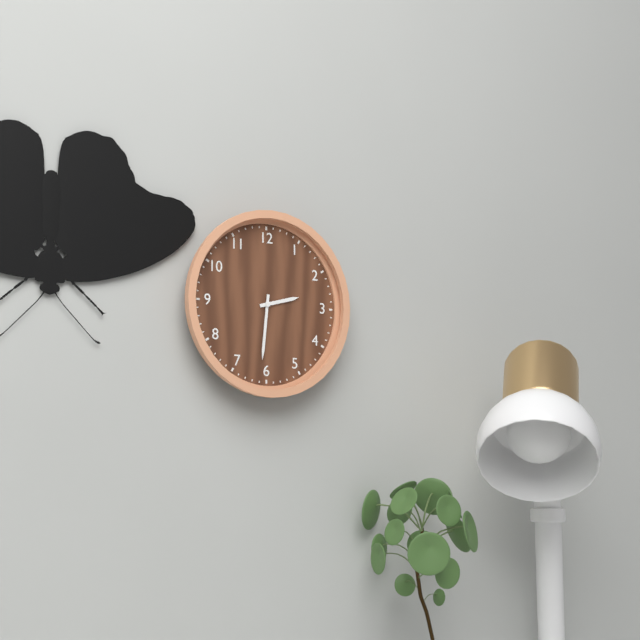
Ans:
h=2 m=31
